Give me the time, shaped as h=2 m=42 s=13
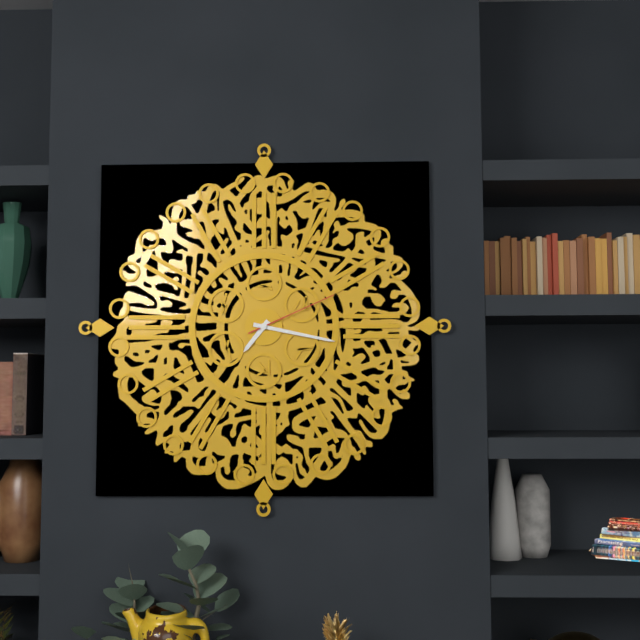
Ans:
h=7 m=17 s=11
